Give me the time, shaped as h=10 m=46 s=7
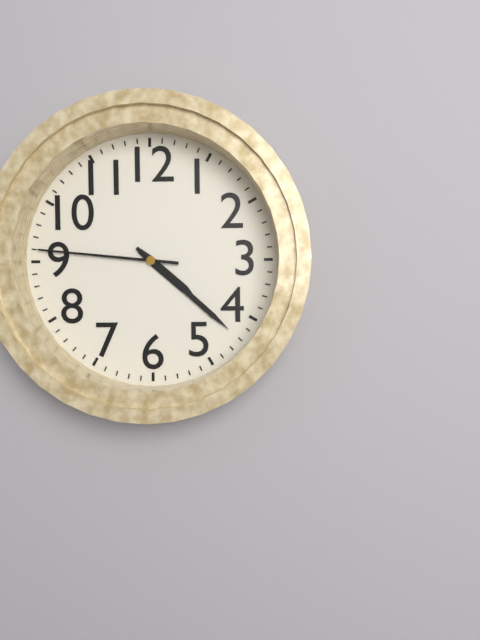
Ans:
h=4 m=22 s=46
